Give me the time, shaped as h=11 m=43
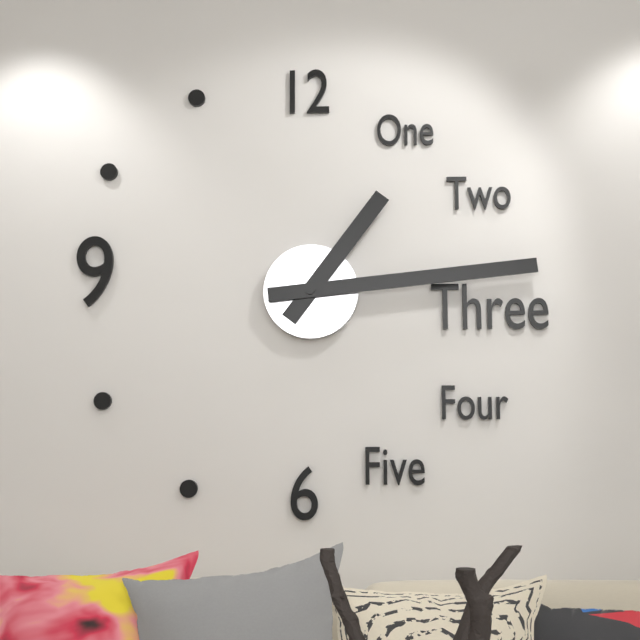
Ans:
h=1 m=14
